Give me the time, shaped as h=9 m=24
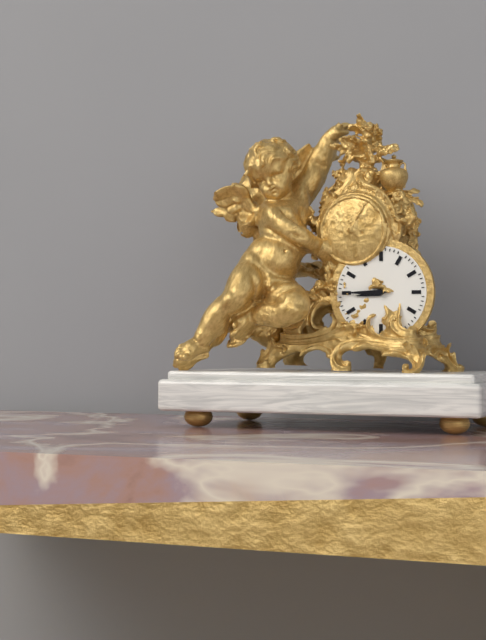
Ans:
h=8 m=45
